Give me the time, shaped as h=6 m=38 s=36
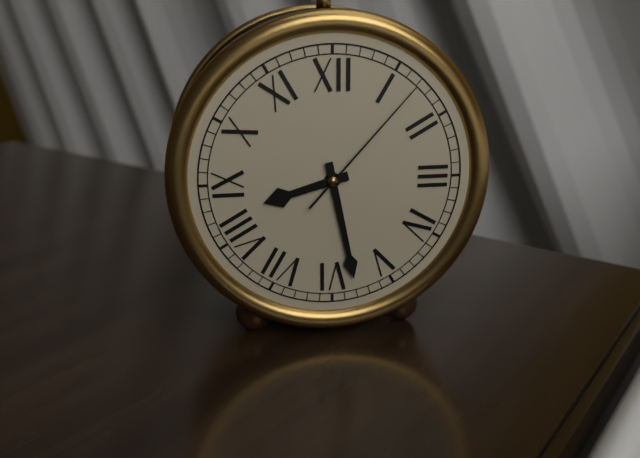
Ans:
h=8 m=28 s=7
